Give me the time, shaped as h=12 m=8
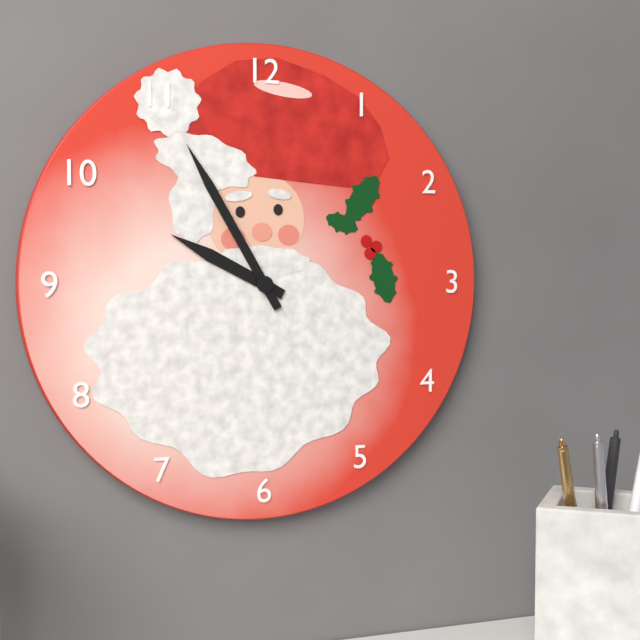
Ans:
h=9 m=55
